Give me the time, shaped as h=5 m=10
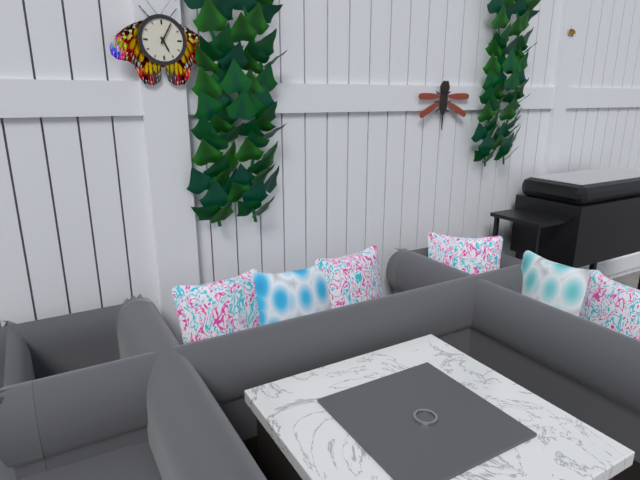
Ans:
h=5 m=5
